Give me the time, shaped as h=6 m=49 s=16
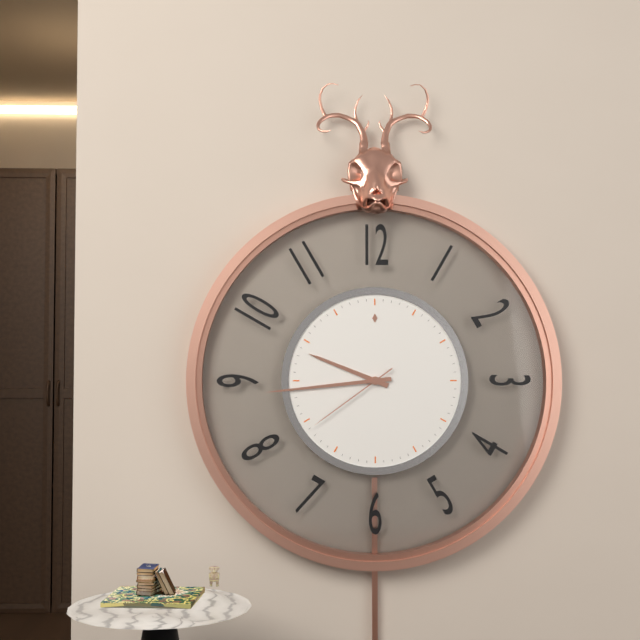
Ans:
h=9 m=44 s=39
